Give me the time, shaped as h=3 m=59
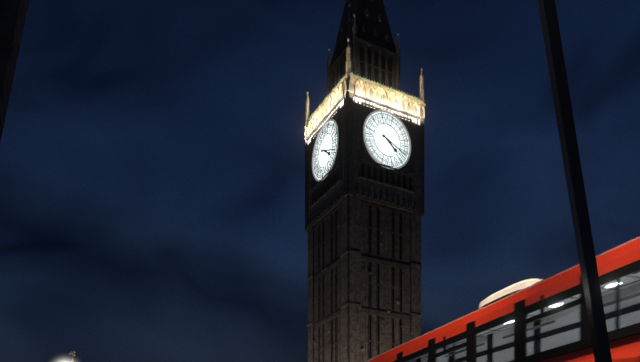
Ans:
h=4 m=19
